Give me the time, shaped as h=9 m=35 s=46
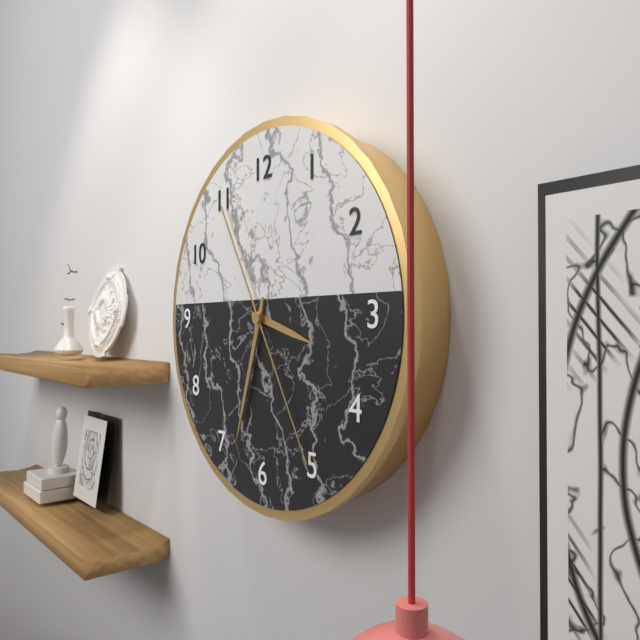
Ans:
h=3 m=33 s=25
